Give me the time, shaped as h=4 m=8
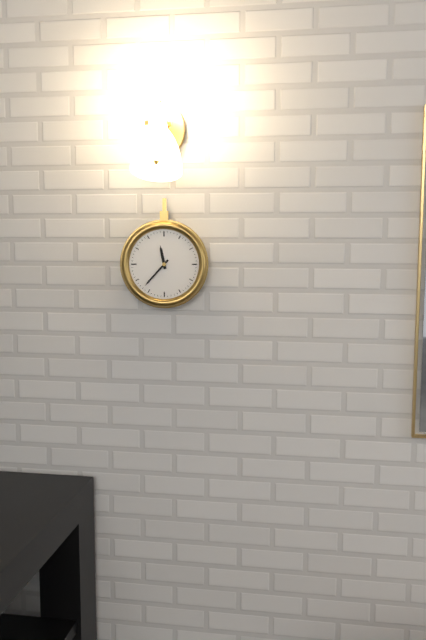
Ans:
h=11 m=37
